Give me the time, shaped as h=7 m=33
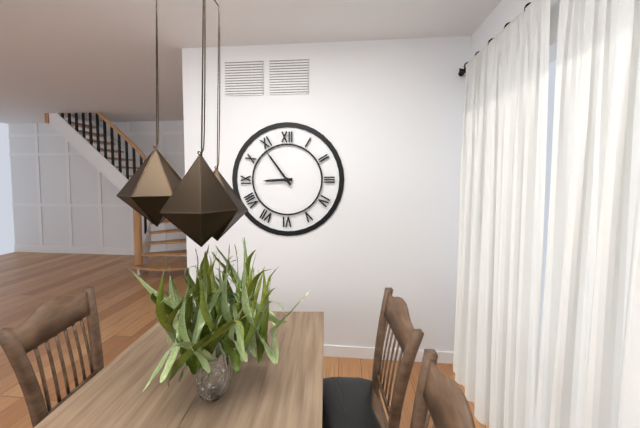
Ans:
h=8 m=54
